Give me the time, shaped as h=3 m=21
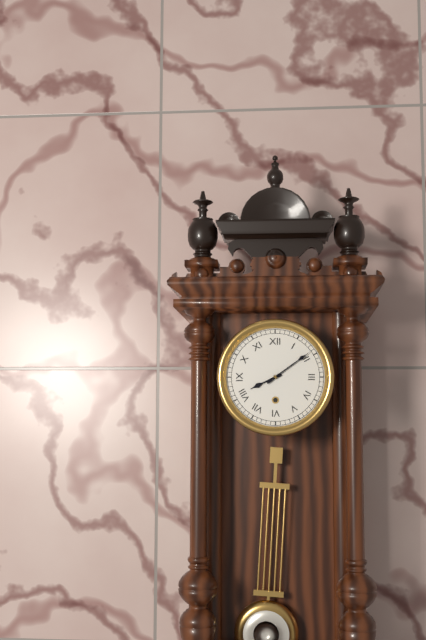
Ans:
h=8 m=9
